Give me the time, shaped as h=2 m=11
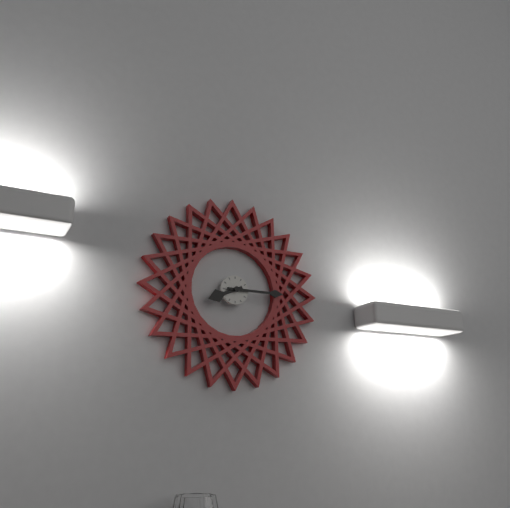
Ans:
h=8 m=15
